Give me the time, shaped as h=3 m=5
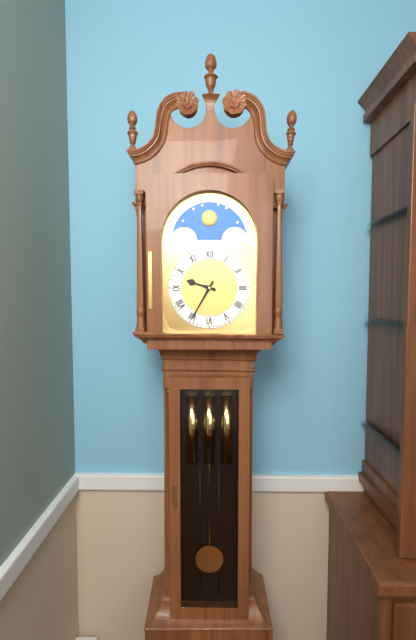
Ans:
h=9 m=35
